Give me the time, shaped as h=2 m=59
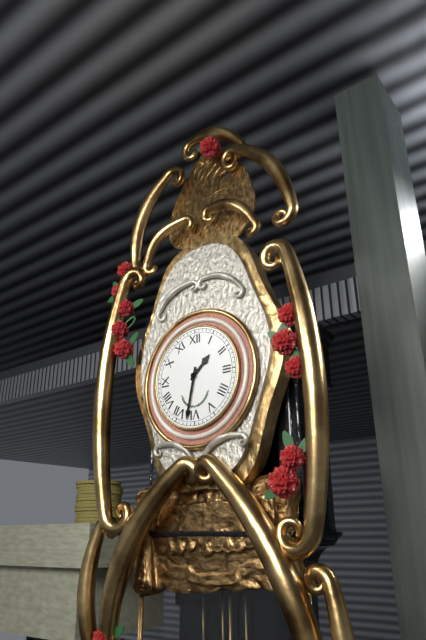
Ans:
h=1 m=32
